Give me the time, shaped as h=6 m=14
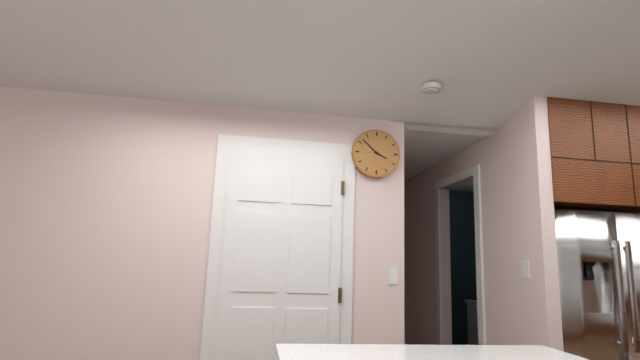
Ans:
h=3 m=52
